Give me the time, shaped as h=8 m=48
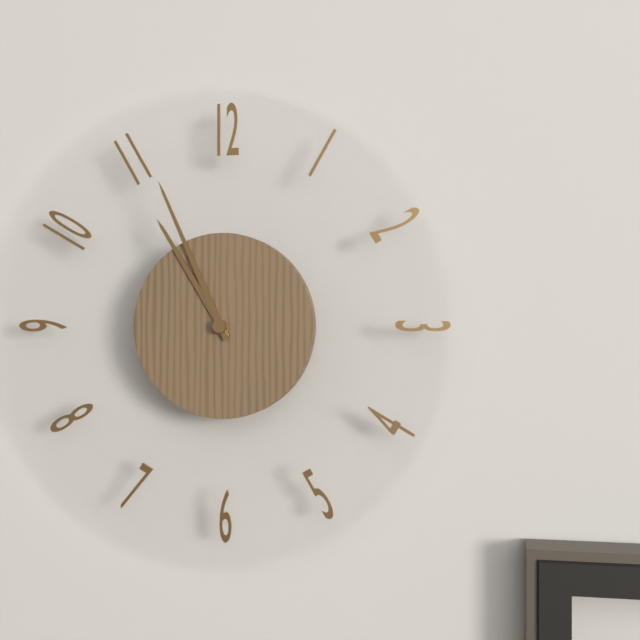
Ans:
h=10 m=56
